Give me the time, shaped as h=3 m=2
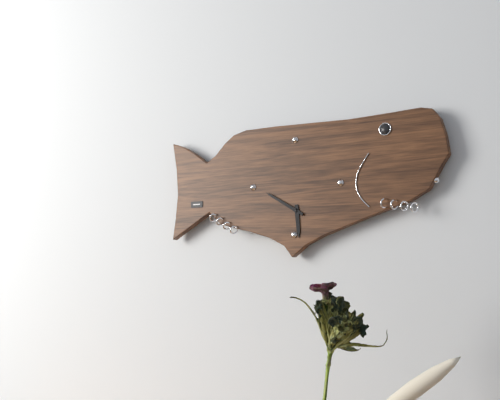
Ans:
h=5 m=50
